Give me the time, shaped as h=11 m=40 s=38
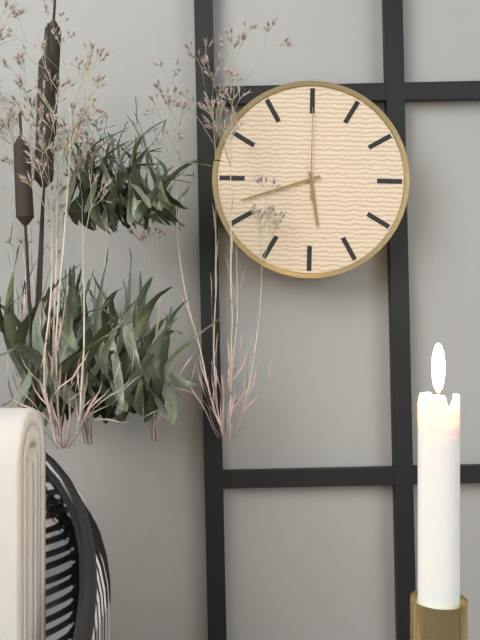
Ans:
h=5 m=42 s=0
